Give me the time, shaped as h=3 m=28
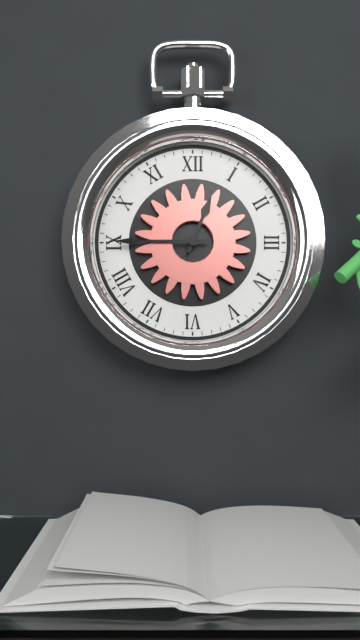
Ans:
h=12 m=45
